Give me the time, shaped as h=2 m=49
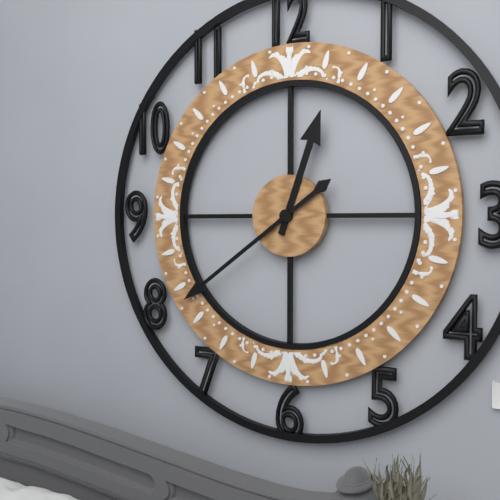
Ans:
h=12 m=39
